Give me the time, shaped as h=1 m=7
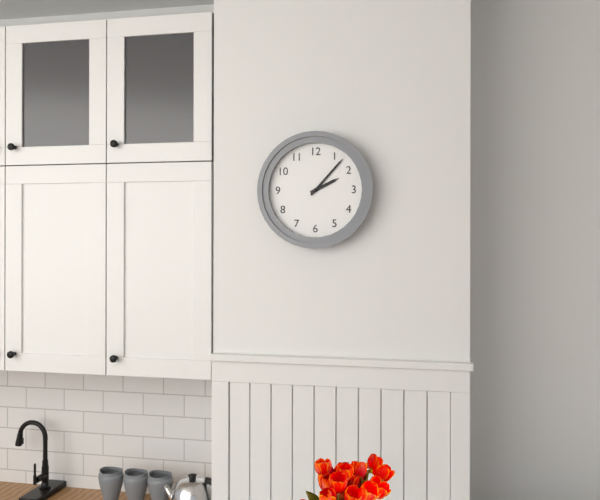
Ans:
h=2 m=7
